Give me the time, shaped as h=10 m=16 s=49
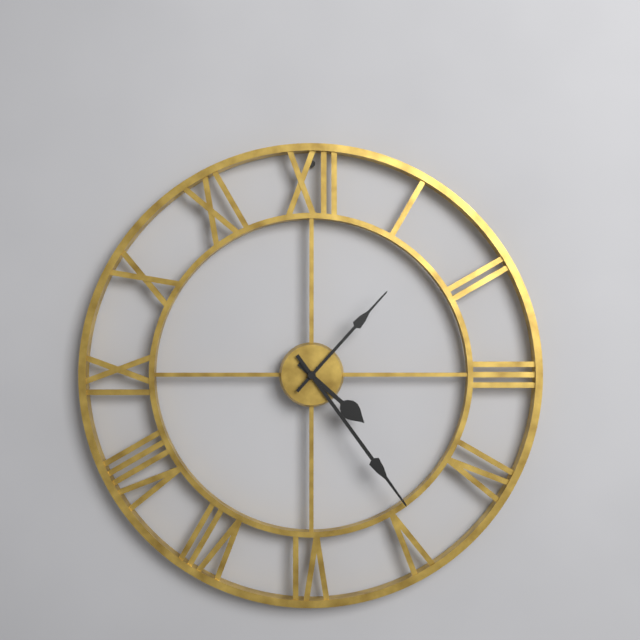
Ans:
h=4 m=24 s=7
